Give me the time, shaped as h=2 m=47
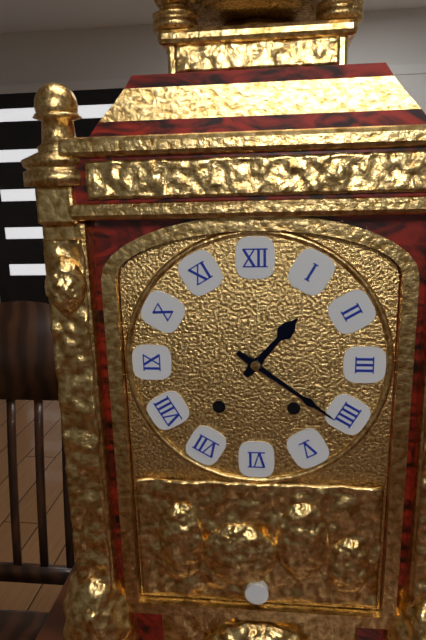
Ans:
h=1 m=21
